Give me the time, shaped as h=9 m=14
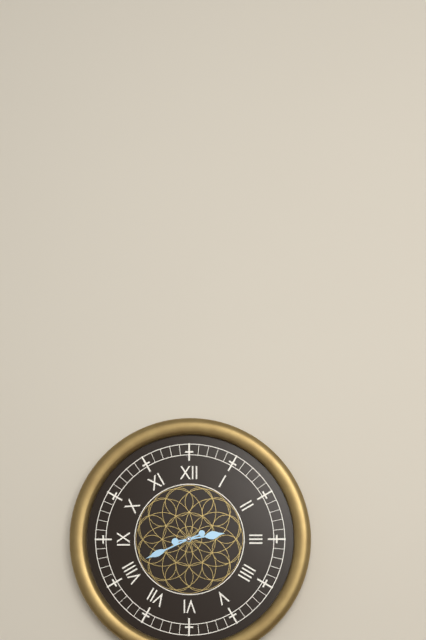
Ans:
h=2 m=41
